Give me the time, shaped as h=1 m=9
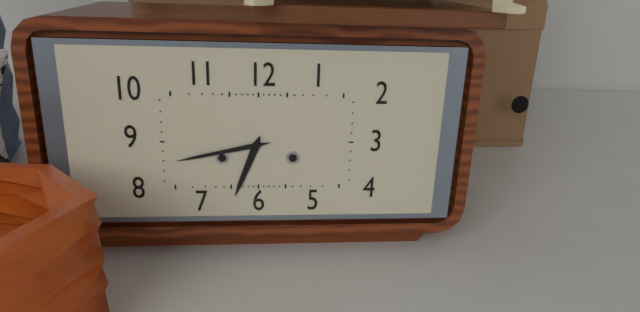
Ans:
h=6 m=43
